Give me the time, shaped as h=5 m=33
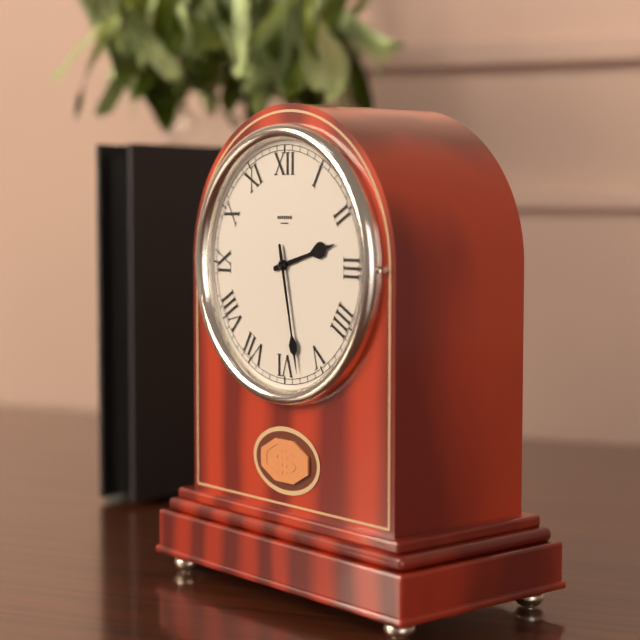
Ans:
h=2 m=28
